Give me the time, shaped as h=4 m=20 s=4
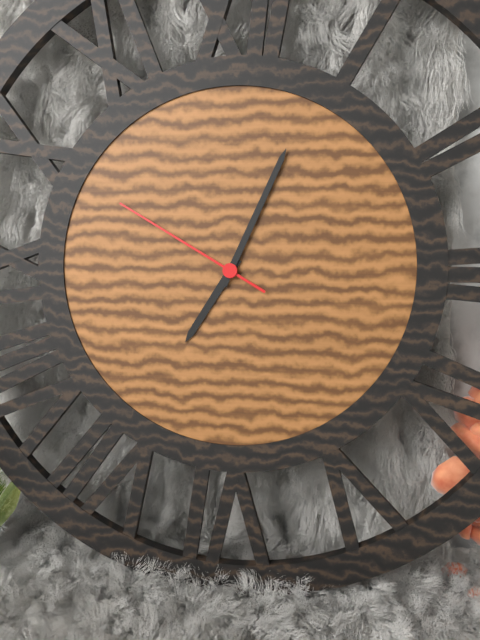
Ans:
h=7 m=4 s=50
